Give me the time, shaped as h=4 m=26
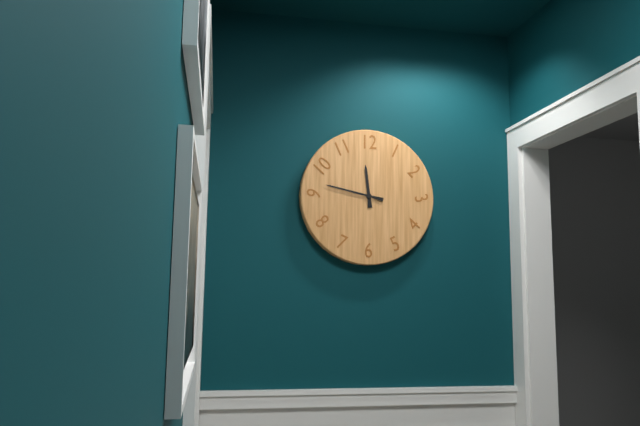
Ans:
h=11 m=47
